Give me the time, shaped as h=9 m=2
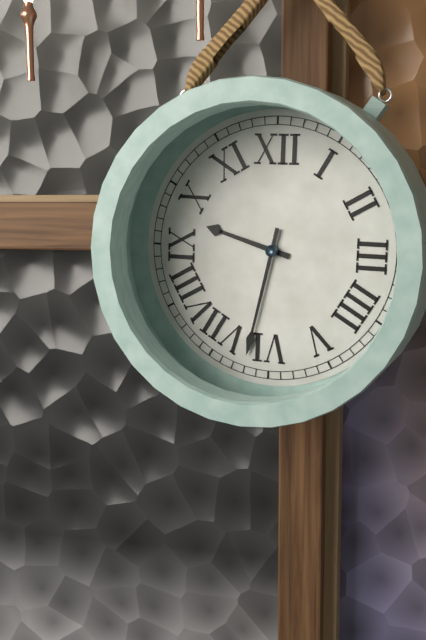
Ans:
h=9 m=32
